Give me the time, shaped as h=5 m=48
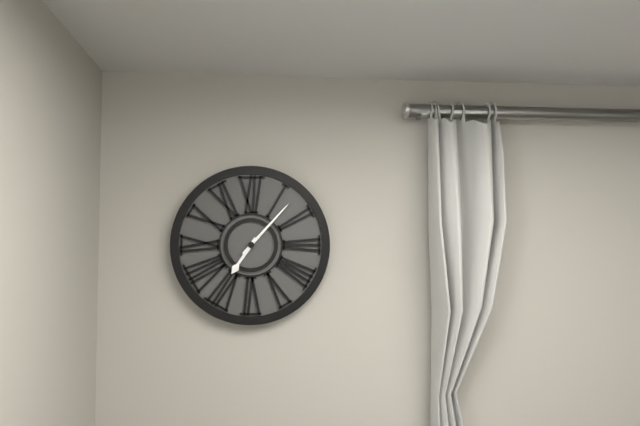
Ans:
h=7 m=7
